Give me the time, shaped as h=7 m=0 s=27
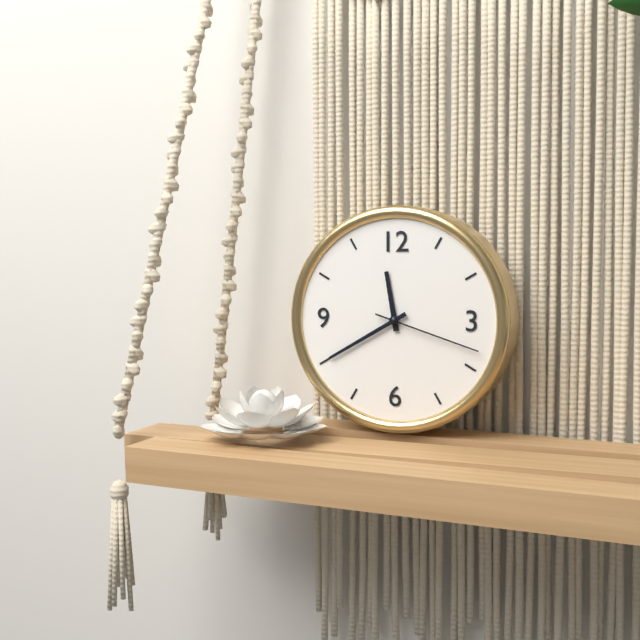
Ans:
h=11 m=40 s=18
